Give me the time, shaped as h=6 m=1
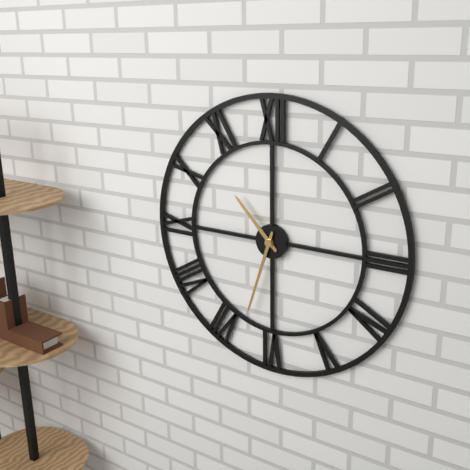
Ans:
h=10 m=33
